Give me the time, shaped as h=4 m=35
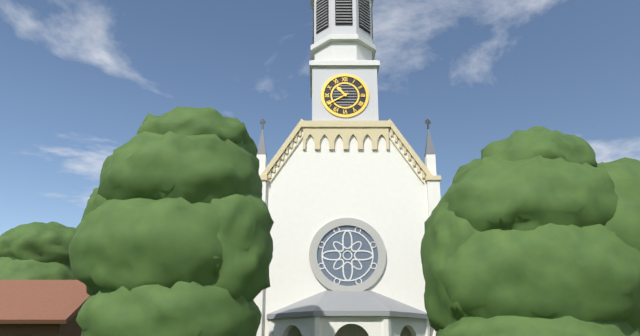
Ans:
h=10 m=40
